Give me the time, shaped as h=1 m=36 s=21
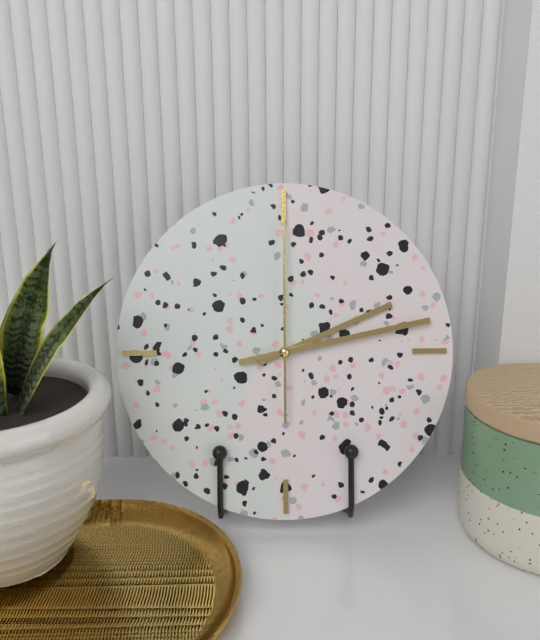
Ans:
h=2 m=13 s=0
